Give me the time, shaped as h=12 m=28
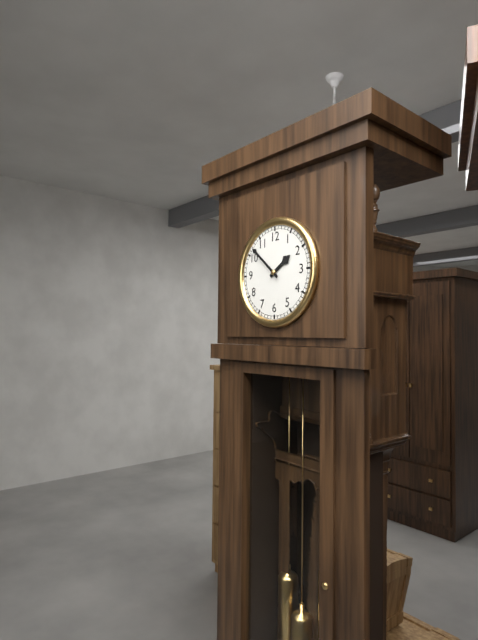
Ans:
h=1 m=52
